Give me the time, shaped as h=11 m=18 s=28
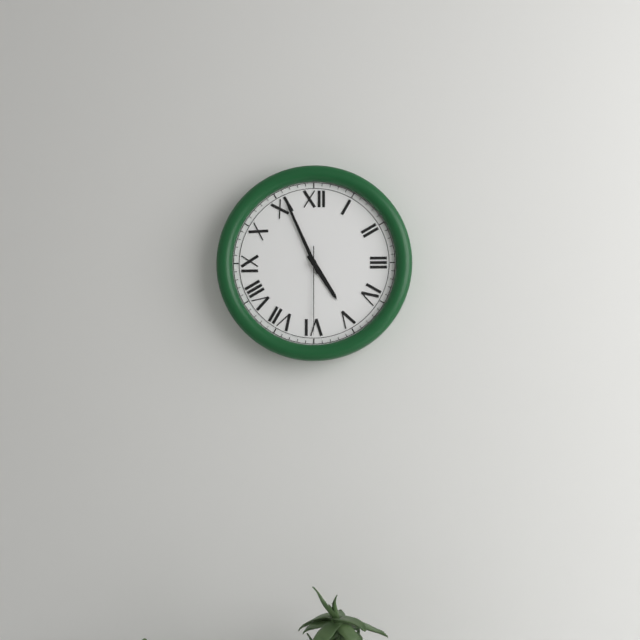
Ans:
h=4 m=56 s=30
